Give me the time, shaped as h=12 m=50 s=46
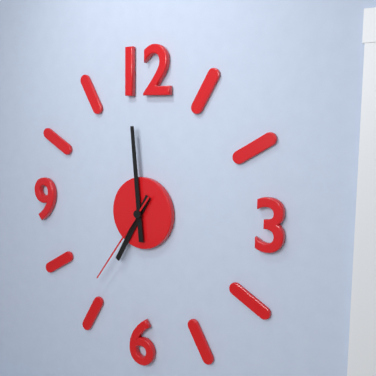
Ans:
h=6 m=59 s=36
